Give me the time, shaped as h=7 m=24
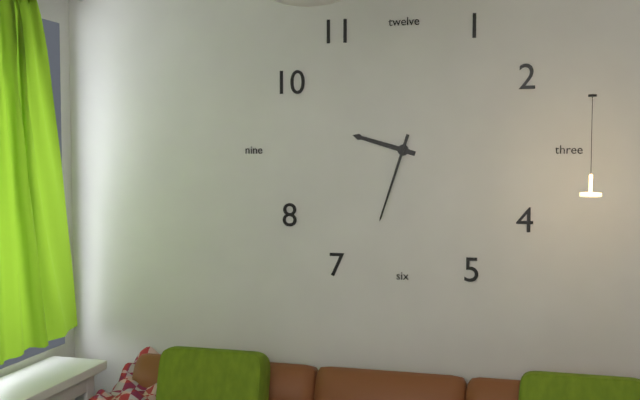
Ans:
h=9 m=33
